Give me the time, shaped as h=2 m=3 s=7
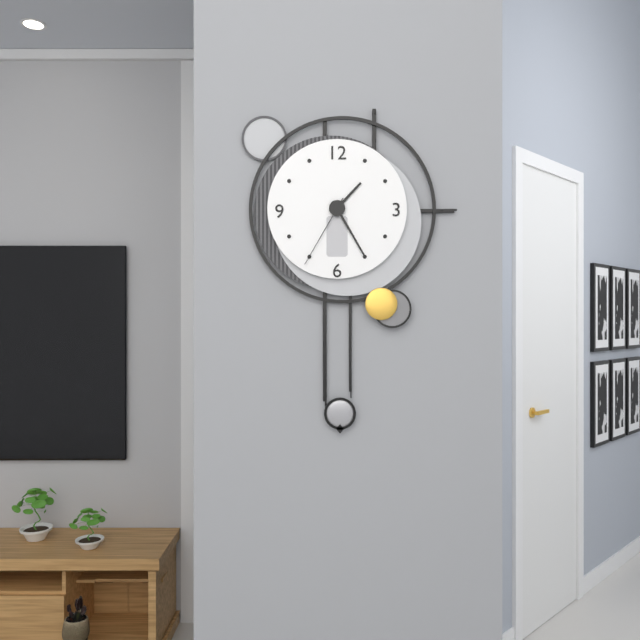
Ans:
h=1 m=25 s=35
